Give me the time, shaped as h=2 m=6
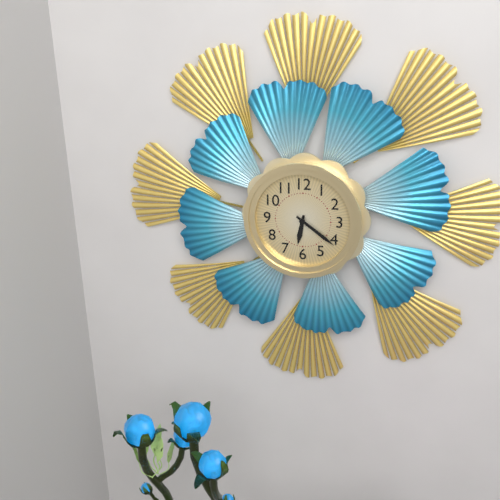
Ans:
h=6 m=21
